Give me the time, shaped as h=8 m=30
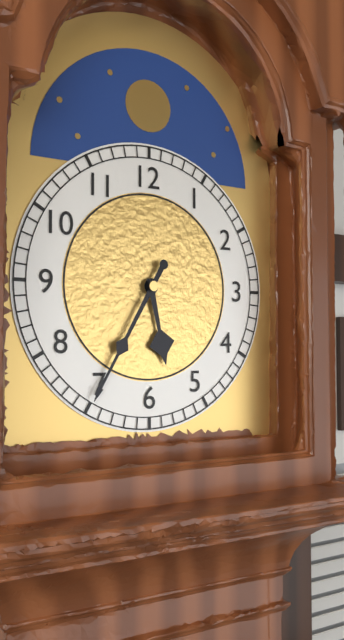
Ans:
h=5 m=35
